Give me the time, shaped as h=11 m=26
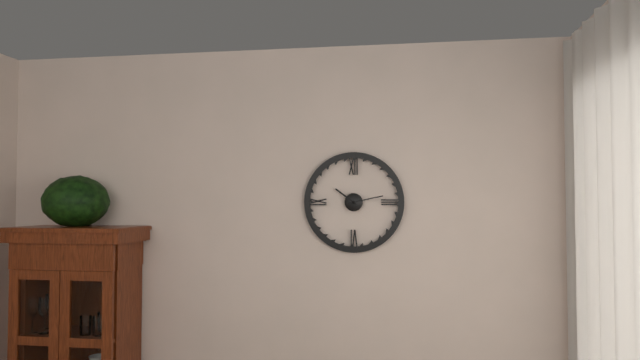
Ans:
h=10 m=13
